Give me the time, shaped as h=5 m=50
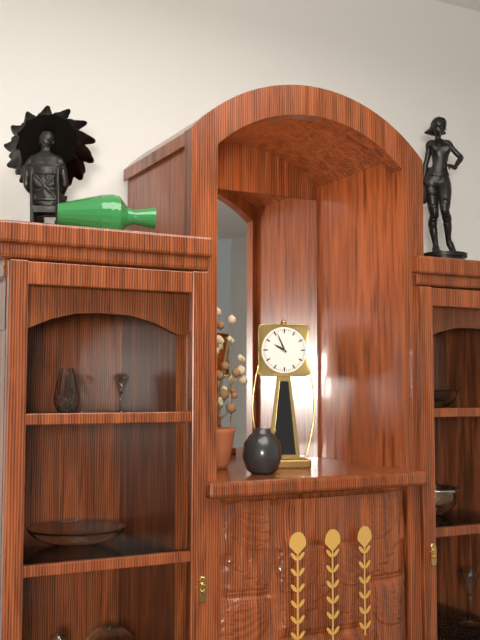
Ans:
h=9 m=56
